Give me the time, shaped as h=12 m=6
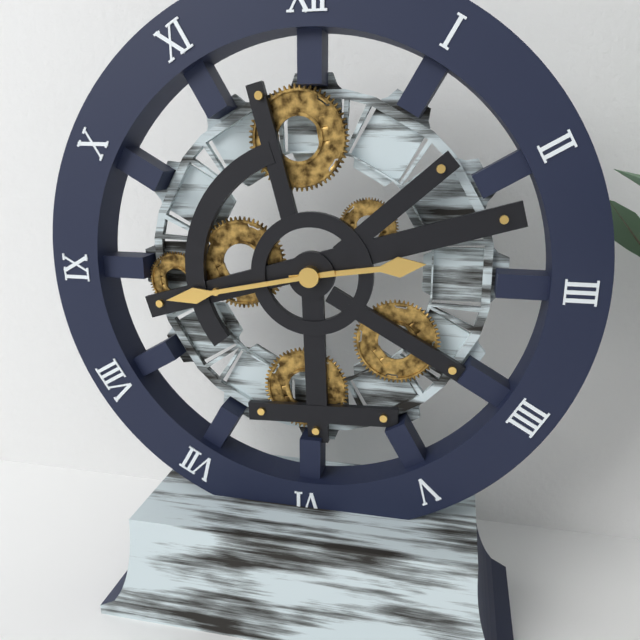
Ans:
h=2 m=43
